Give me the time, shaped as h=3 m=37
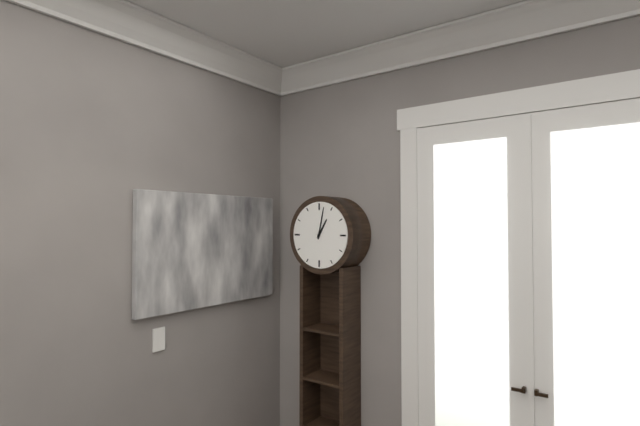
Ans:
h=1 m=2
